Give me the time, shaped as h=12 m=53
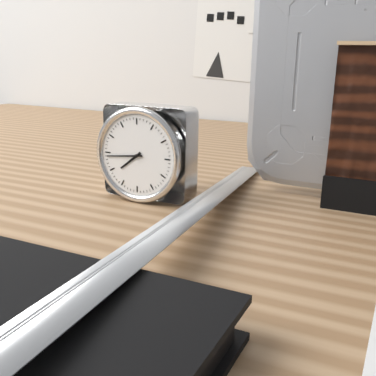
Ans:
h=7 m=44
